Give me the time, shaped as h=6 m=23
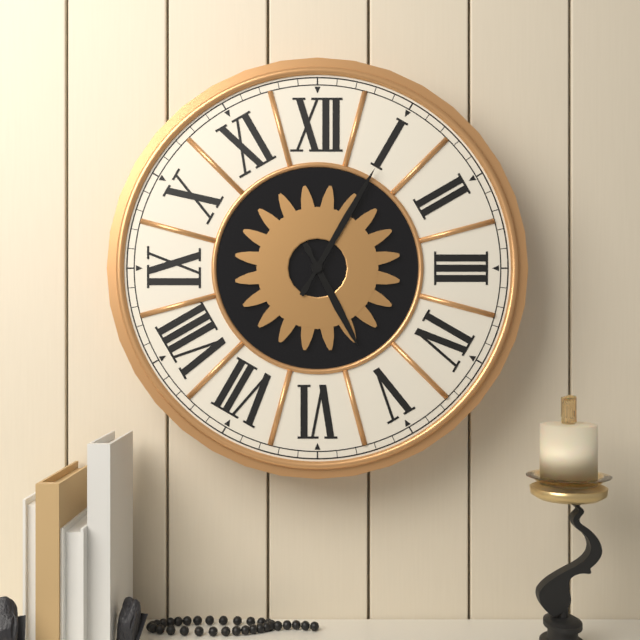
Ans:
h=5 m=5
